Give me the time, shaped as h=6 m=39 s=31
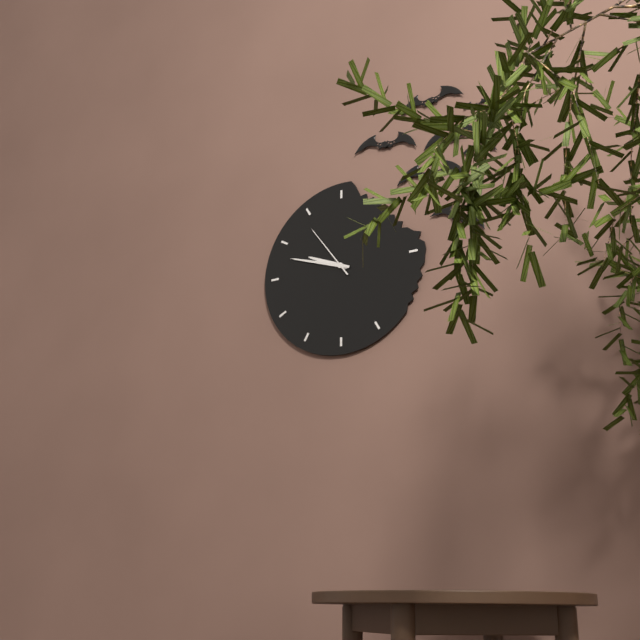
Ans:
h=9 m=48 s=54
